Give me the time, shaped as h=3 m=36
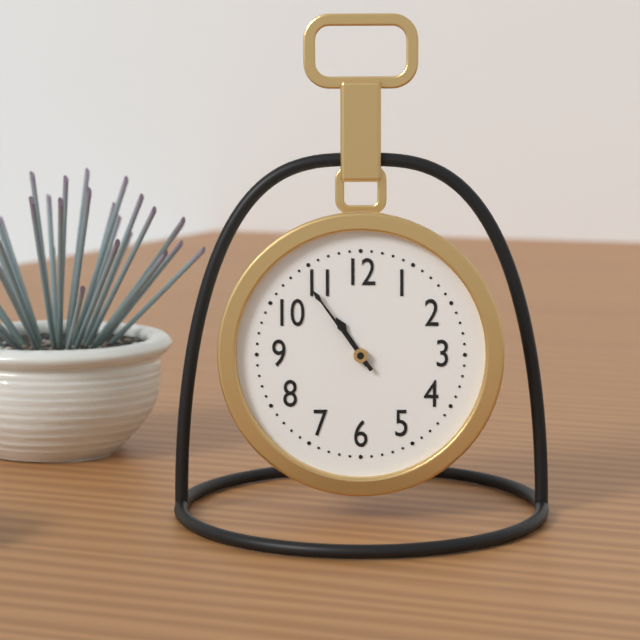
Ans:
h=10 m=54
